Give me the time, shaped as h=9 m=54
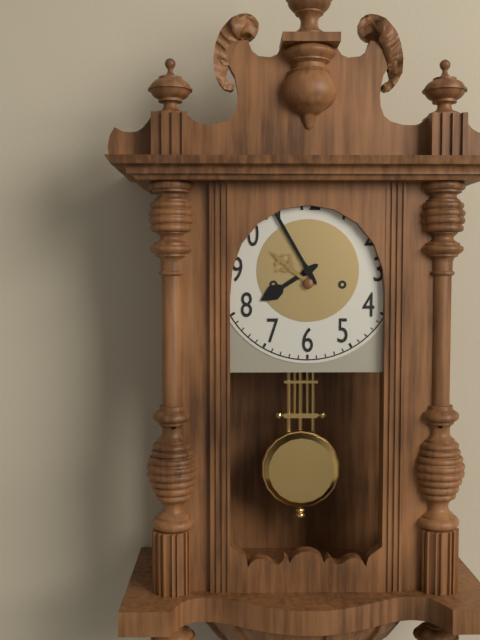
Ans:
h=7 m=55
